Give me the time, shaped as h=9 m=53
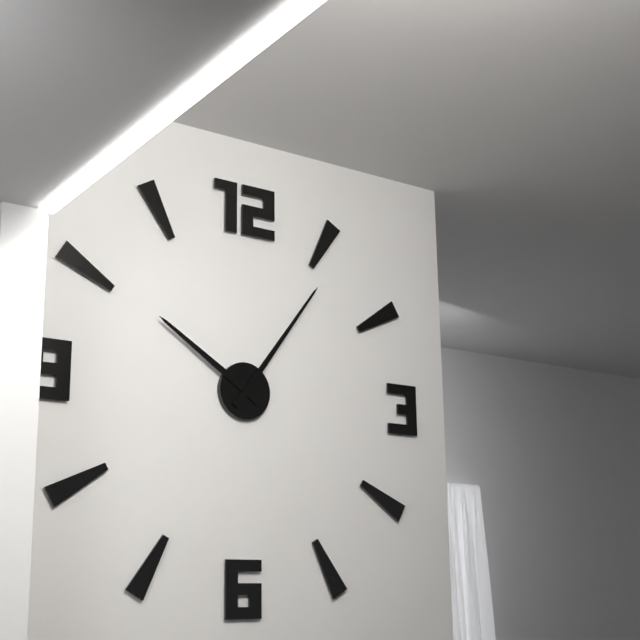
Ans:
h=10 m=6
